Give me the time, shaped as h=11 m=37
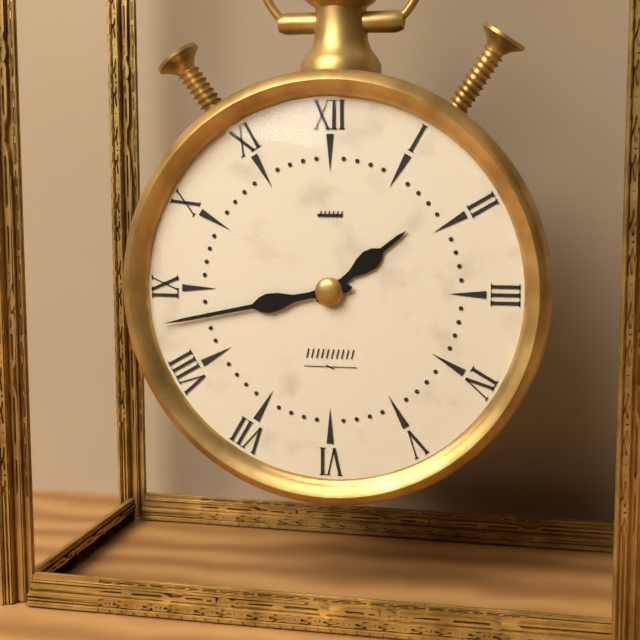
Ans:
h=1 m=43
